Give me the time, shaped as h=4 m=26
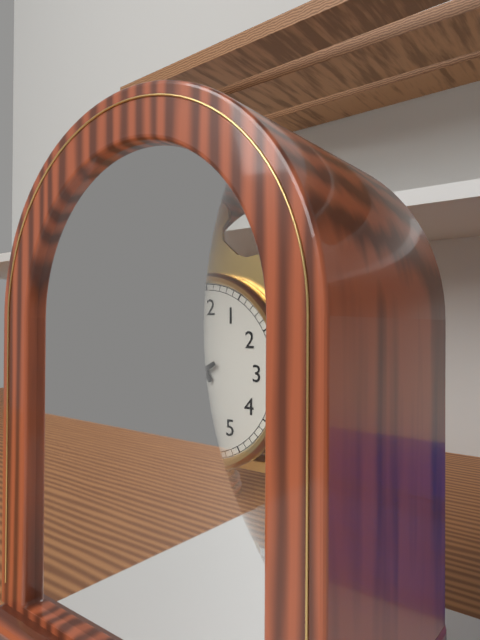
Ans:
h=10 m=40
